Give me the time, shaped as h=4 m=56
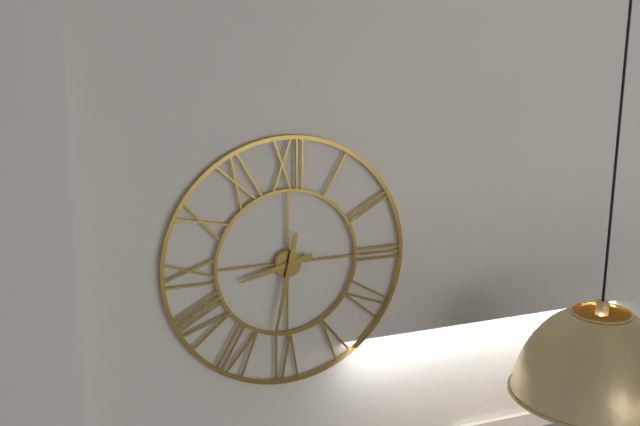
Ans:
h=8 m=32
